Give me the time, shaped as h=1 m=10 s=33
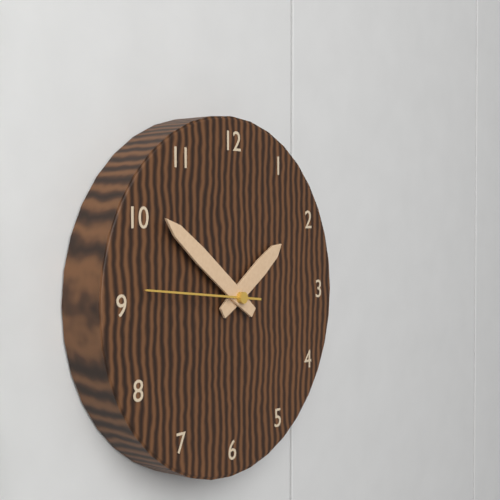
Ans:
h=1 m=51 s=46
